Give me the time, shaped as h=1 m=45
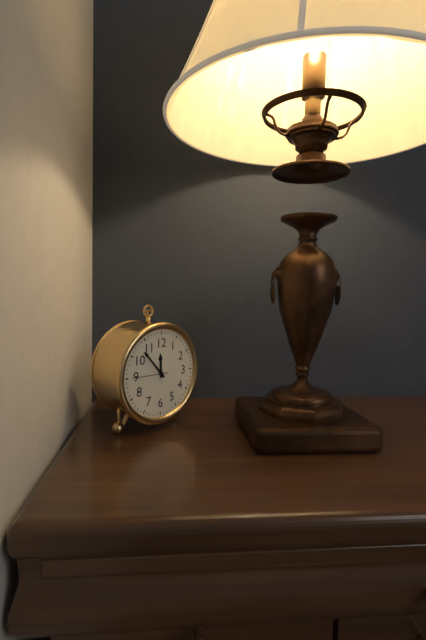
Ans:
h=11 m=53
